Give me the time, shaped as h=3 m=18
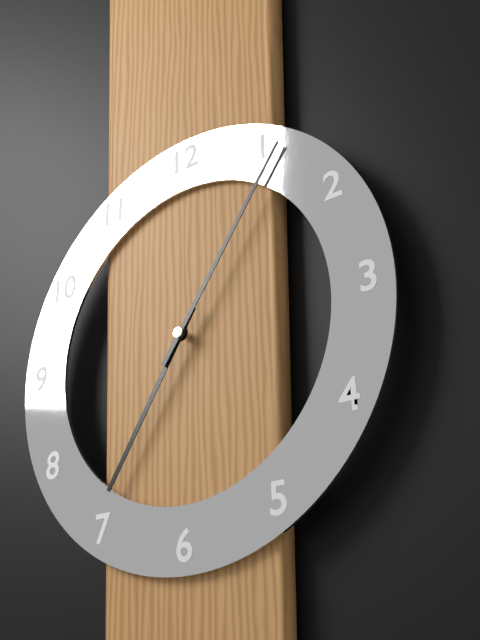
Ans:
h=7 m=6
